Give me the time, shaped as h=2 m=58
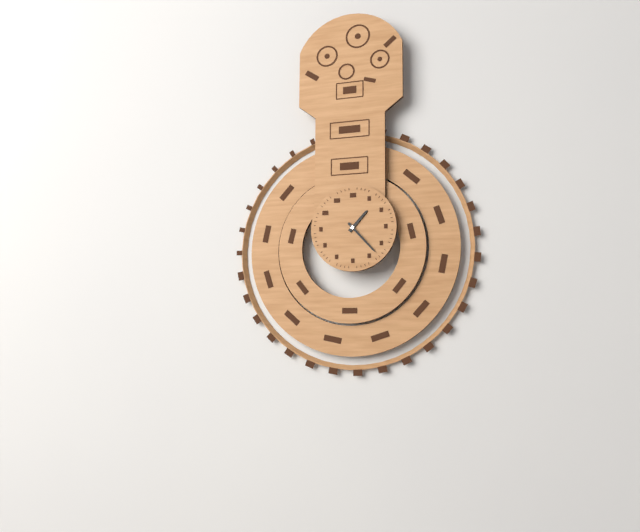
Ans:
h=1 m=23
